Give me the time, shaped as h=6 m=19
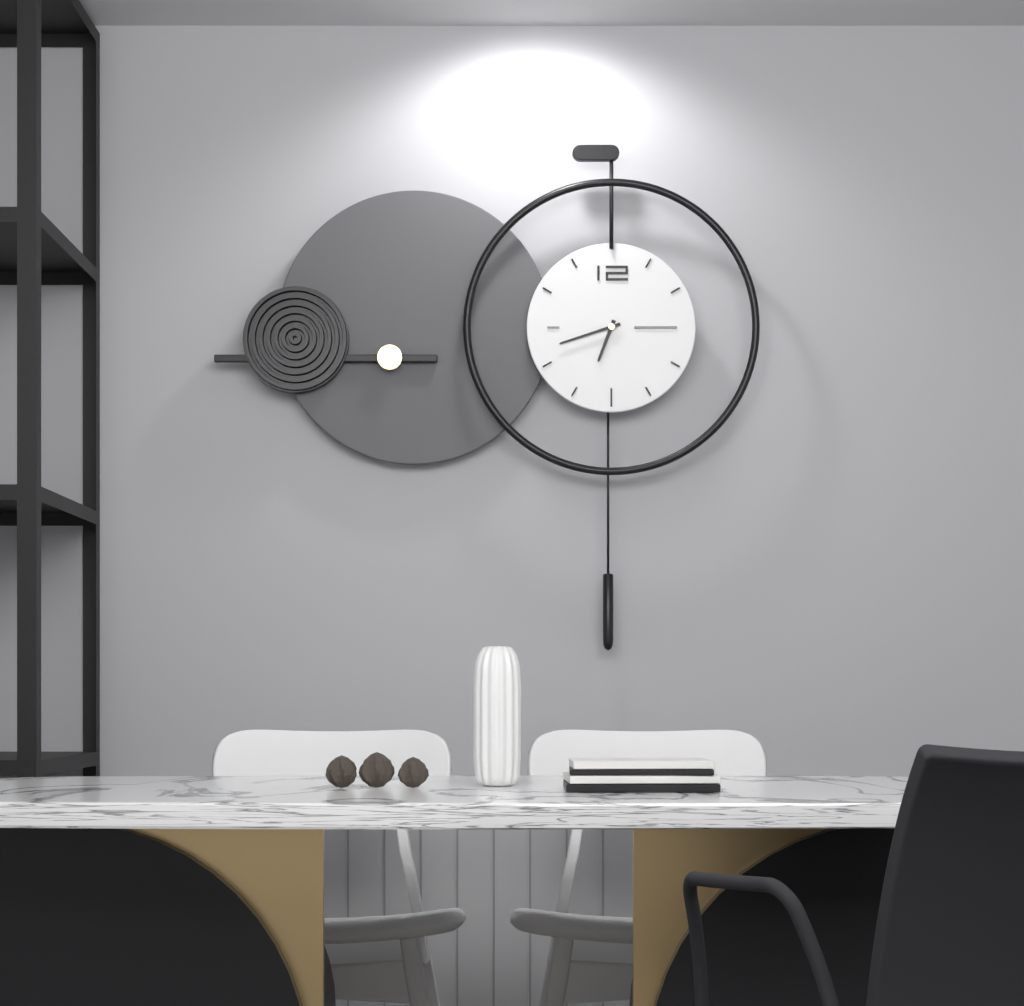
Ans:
h=6 m=42
